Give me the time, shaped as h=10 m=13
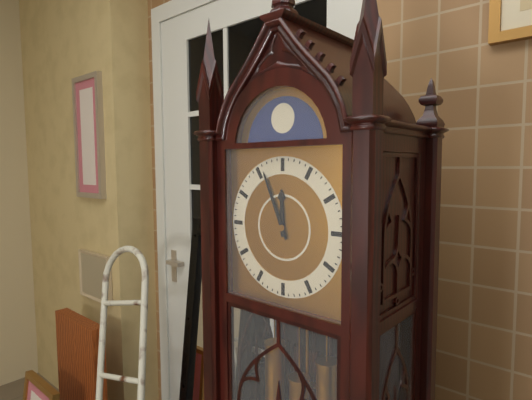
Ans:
h=11 m=56
